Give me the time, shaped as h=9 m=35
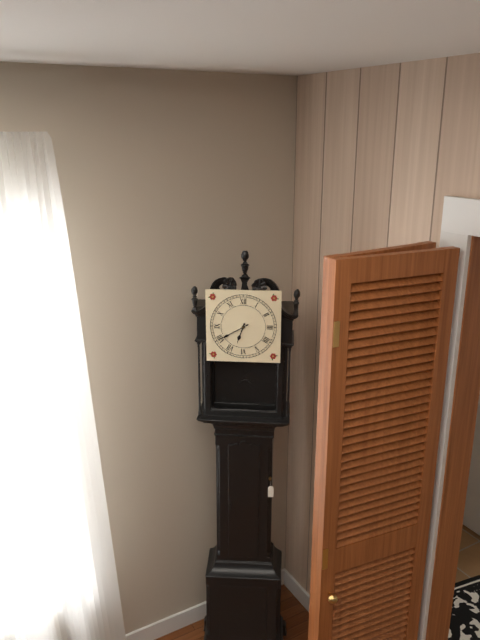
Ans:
h=6 m=40
